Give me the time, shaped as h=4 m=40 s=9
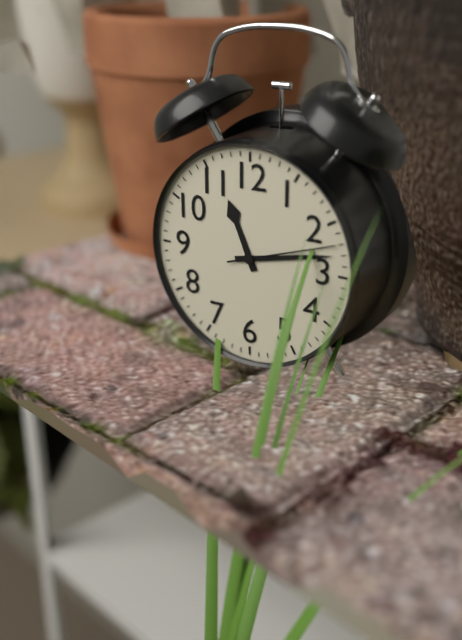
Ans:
h=11 m=13 s=12
